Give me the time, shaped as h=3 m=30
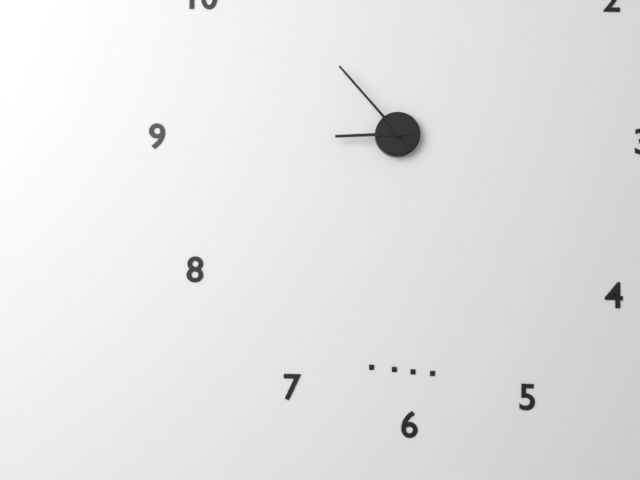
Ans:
h=8 m=53
